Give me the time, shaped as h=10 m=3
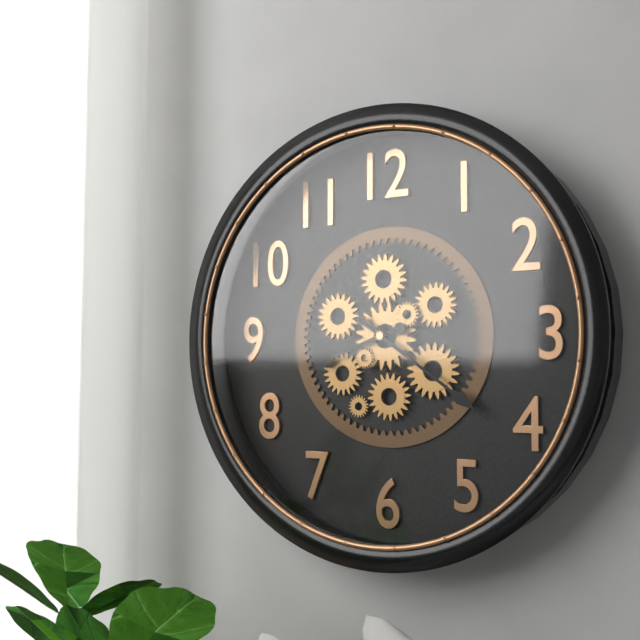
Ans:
h=8 m=21
